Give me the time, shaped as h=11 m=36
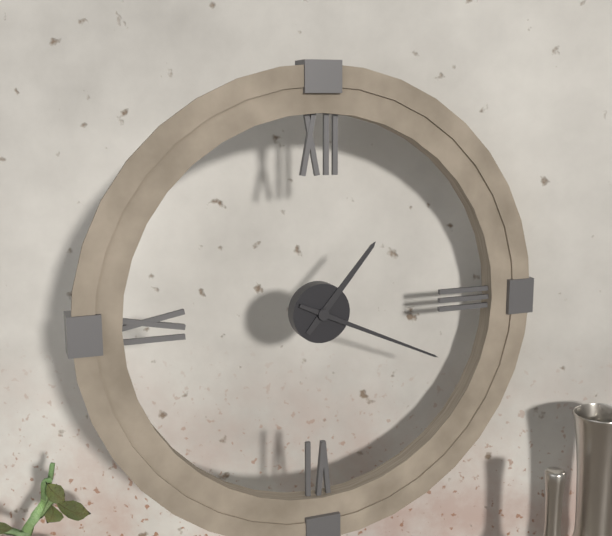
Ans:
h=1 m=19
